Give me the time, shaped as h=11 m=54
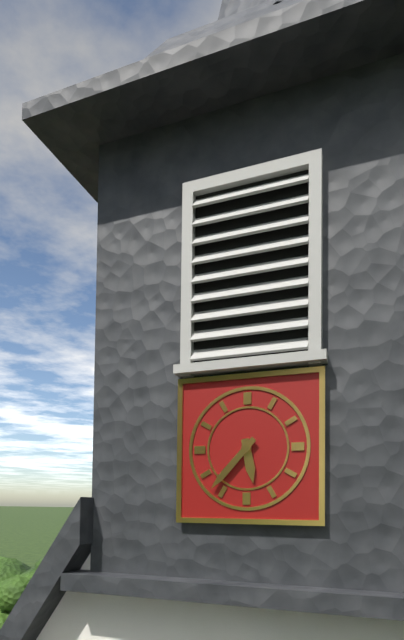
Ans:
h=5 m=37
